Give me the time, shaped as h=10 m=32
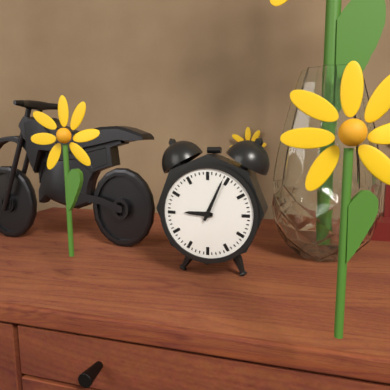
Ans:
h=9 m=4
